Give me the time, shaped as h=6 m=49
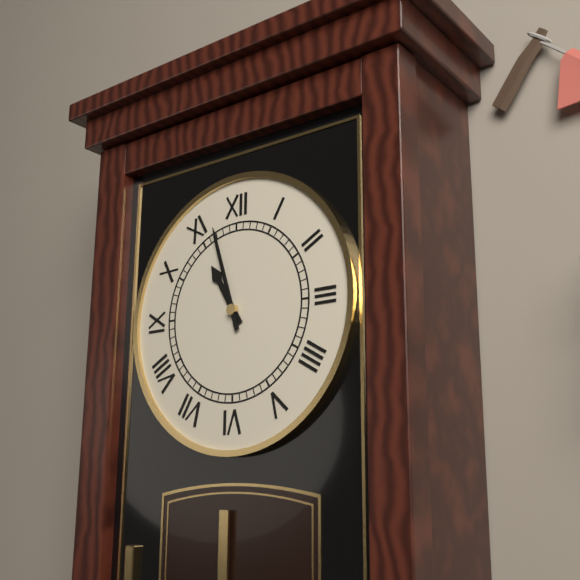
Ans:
h=10 m=57
